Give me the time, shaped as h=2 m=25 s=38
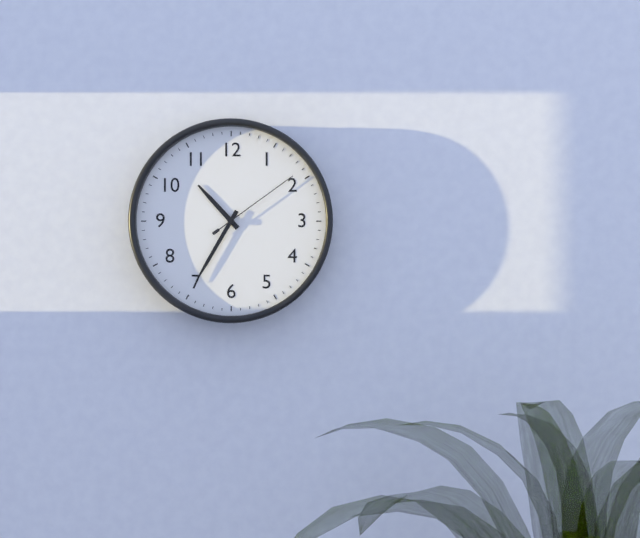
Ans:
h=10 m=35 s=9
